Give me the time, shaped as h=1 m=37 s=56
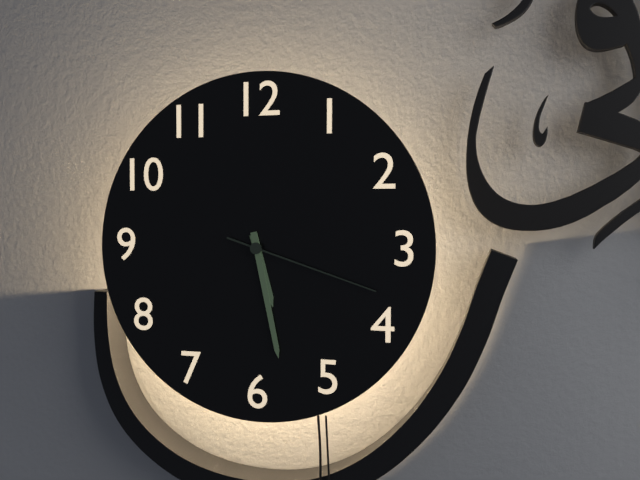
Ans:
h=5 m=28 s=18
